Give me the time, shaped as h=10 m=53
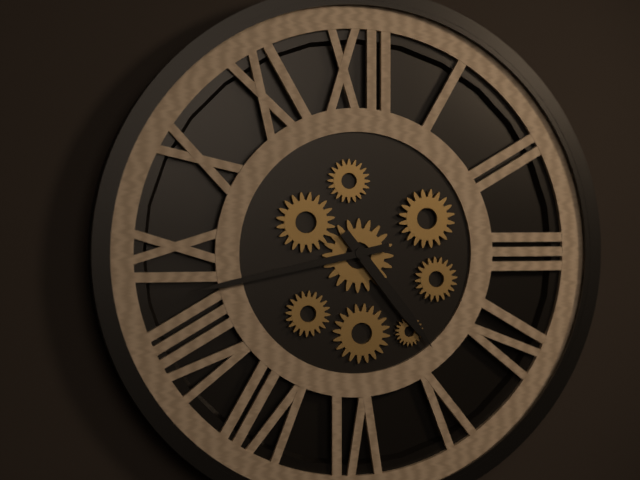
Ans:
h=4 m=43
